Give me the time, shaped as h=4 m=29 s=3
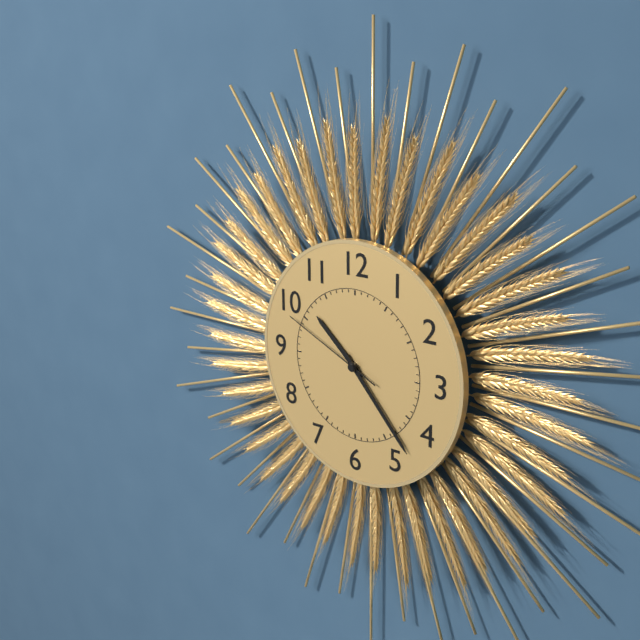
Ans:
h=10 m=23 s=49
